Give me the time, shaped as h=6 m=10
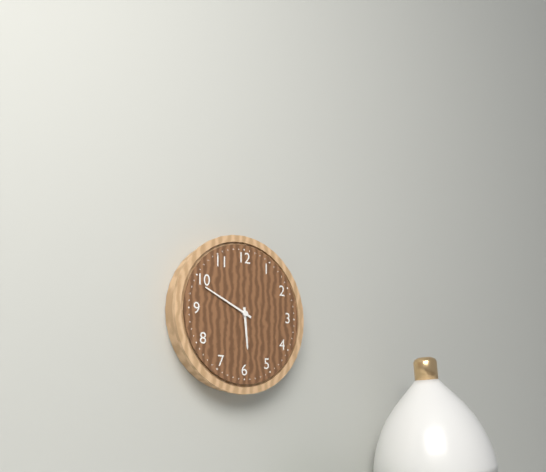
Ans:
h=5 m=49
